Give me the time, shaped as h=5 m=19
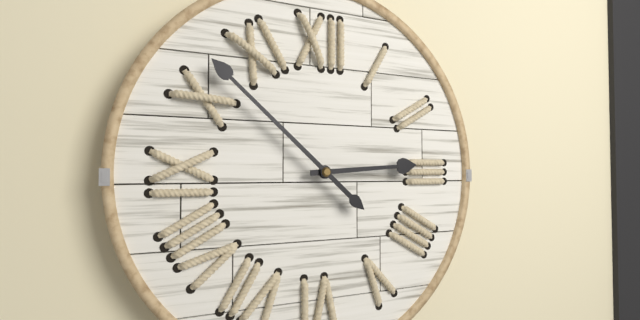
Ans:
h=2 m=52
